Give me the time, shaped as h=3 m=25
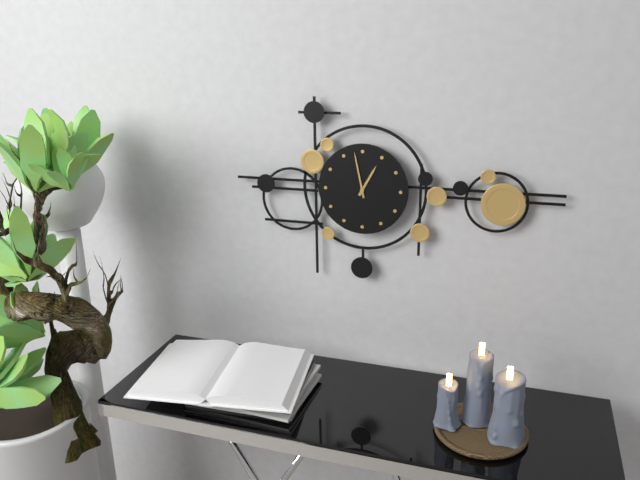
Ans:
h=12 m=58
